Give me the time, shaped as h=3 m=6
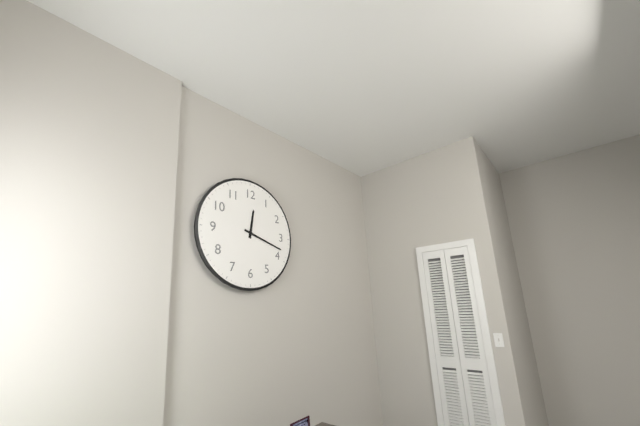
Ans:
h=12 m=18
